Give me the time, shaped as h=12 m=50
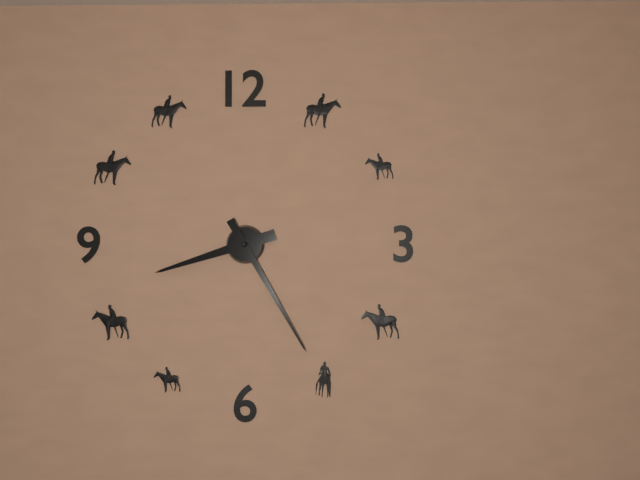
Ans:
h=8 m=25
